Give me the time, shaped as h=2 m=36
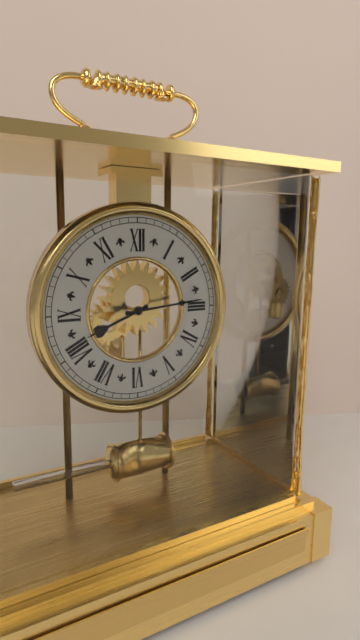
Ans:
h=8 m=14
